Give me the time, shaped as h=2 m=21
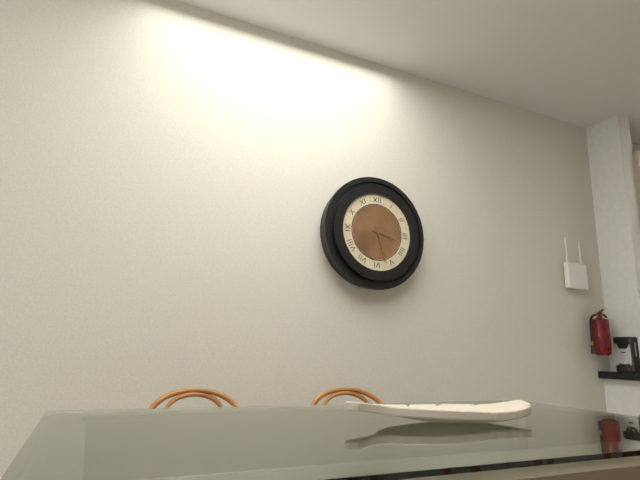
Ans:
h=3 m=27
